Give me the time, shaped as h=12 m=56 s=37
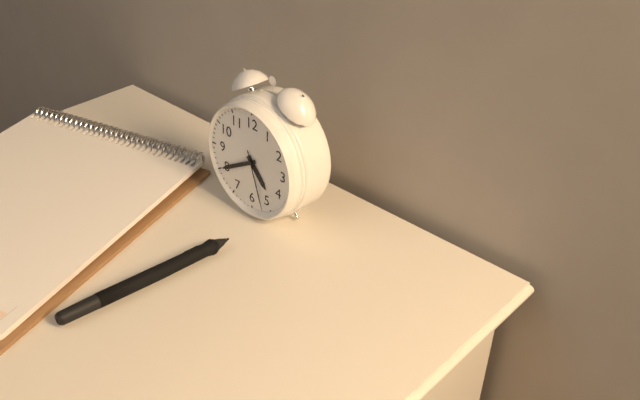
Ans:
h=4 m=40 s=27
